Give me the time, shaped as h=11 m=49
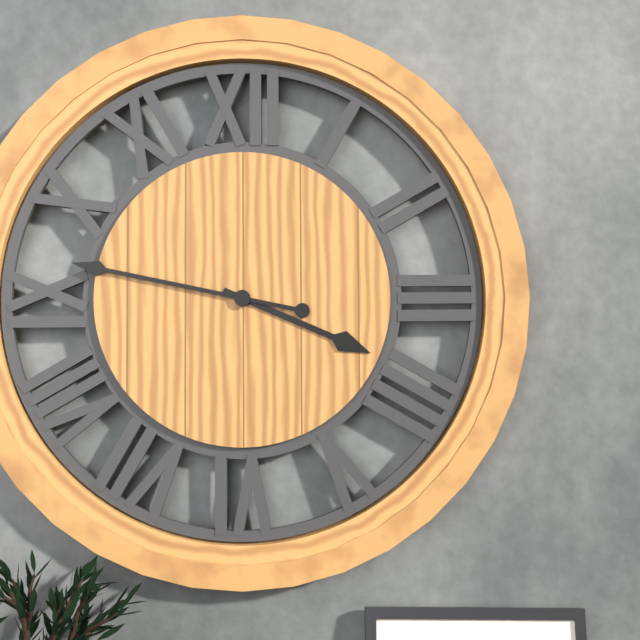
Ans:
h=3 m=47
